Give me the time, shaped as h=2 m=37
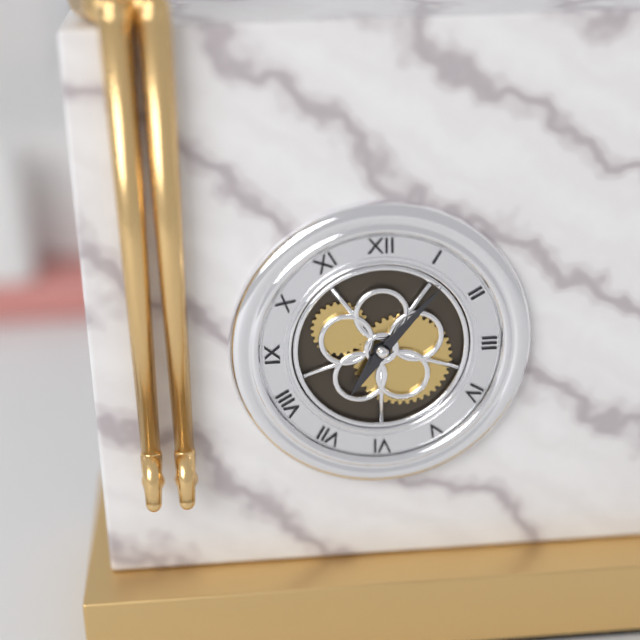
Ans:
h=7 m=7
